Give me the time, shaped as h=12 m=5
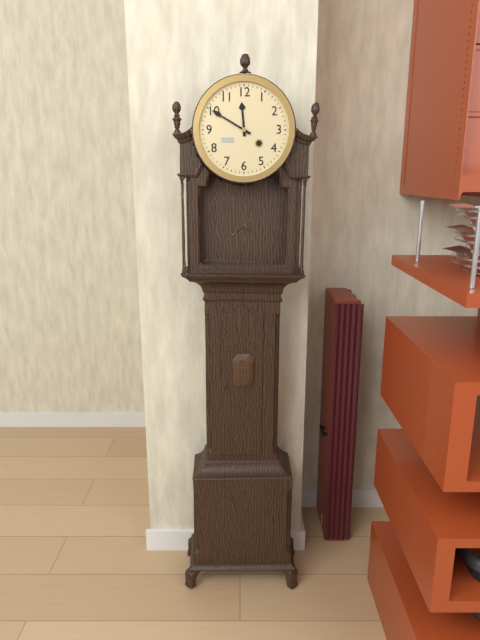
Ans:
h=11 m=50
